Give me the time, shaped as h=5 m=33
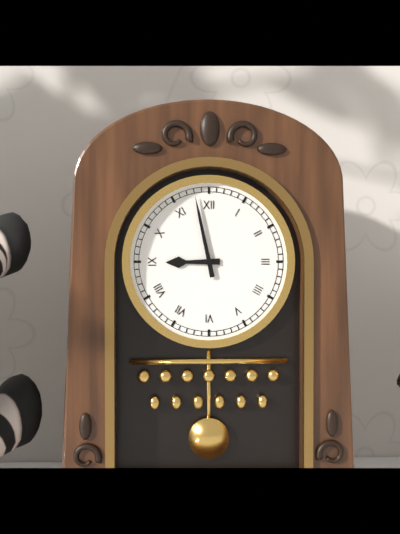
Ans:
h=8 m=58
